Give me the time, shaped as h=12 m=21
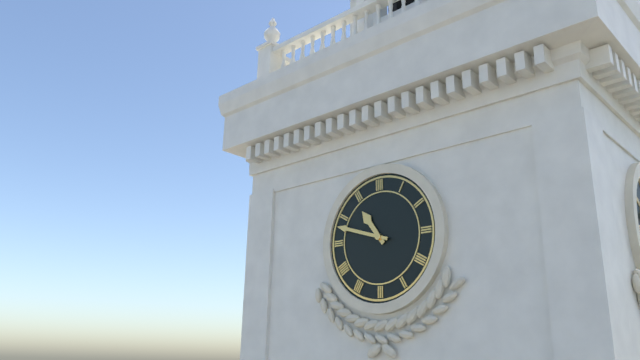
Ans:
h=10 m=48
